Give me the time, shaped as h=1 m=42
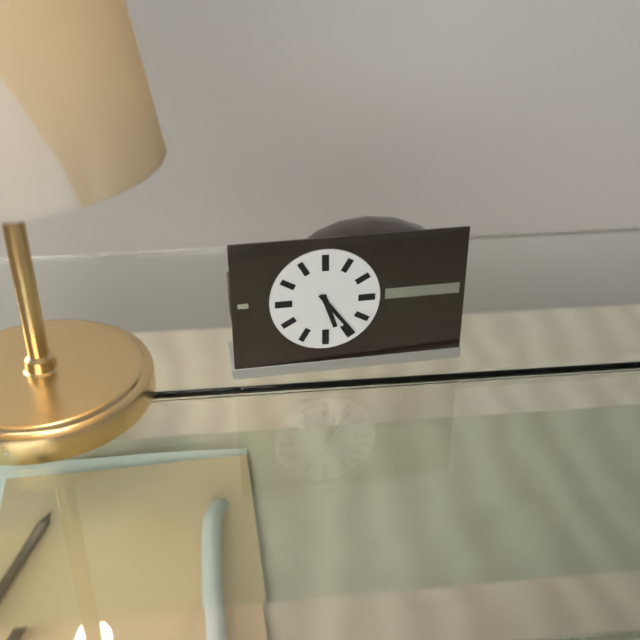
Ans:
h=5 m=24
